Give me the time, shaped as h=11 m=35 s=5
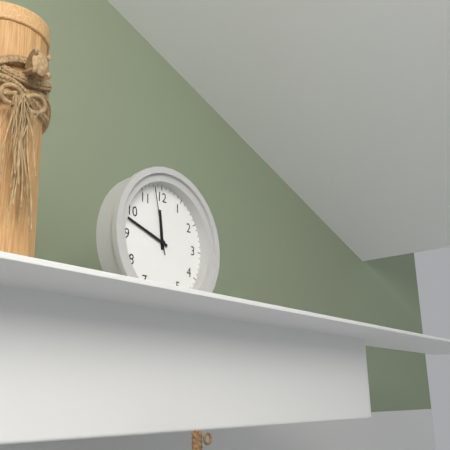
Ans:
h=11 m=48 s=58
